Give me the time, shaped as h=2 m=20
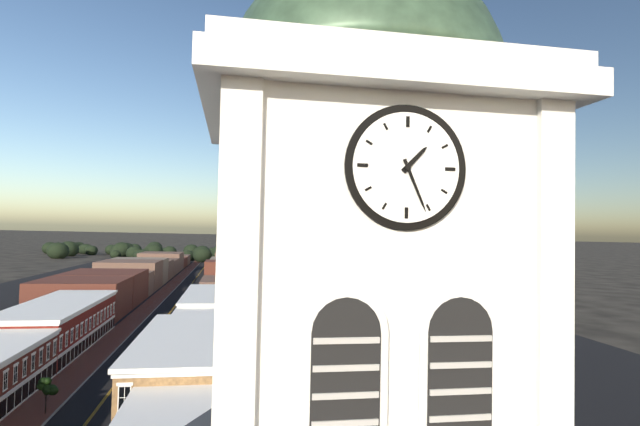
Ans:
h=1 m=26
